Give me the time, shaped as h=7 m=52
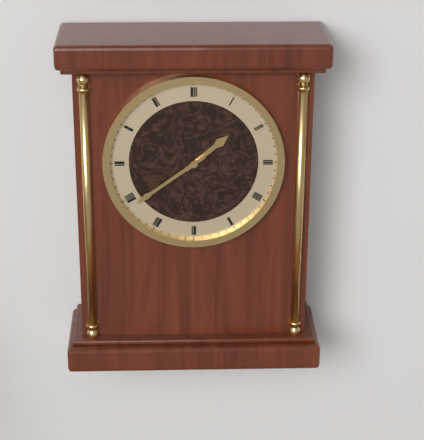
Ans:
h=1 m=39
